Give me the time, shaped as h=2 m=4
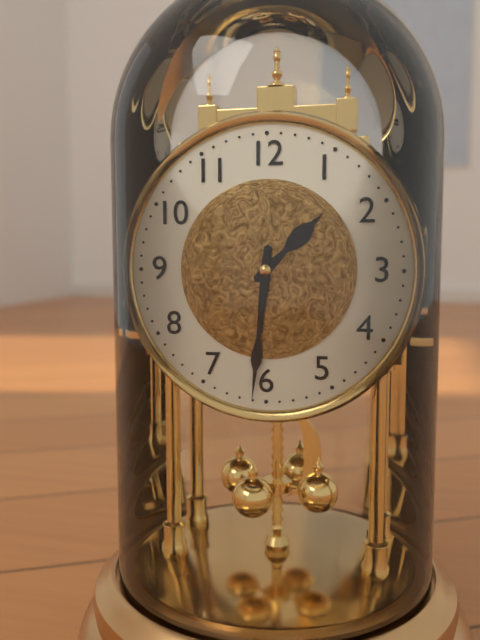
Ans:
h=1 m=31
